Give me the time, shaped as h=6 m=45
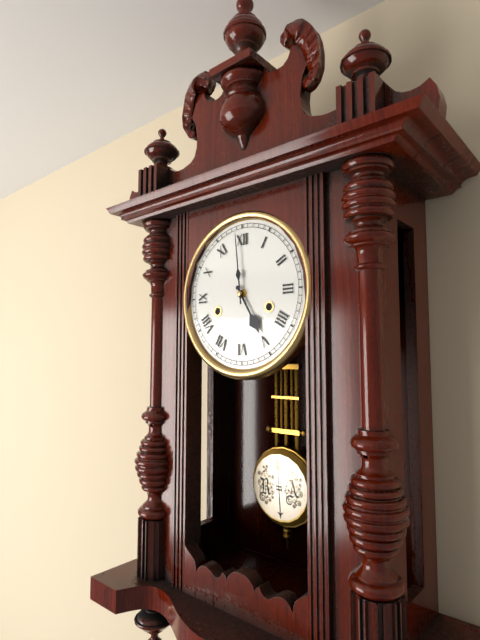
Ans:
h=4 m=59
